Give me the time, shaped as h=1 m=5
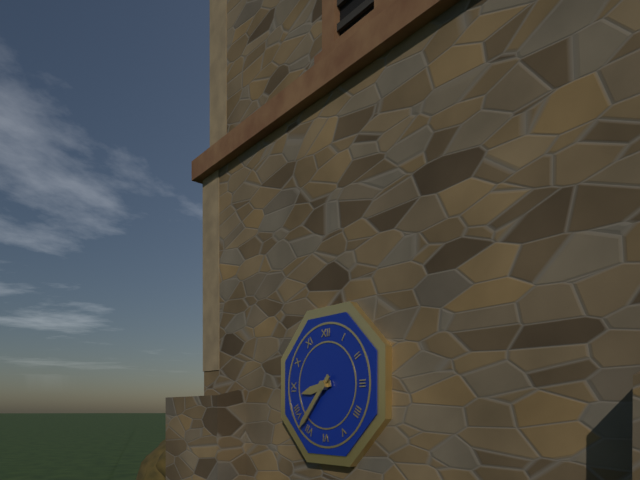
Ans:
h=8 m=37
